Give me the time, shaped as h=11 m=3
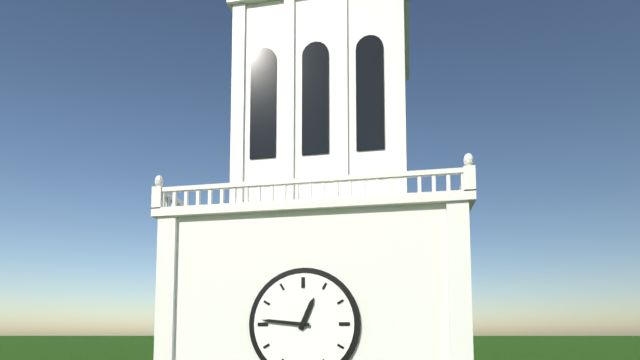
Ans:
h=12 m=46
